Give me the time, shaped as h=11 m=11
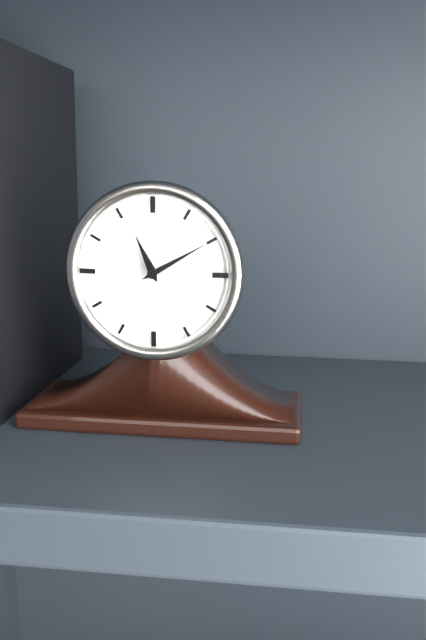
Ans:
h=11 m=10
